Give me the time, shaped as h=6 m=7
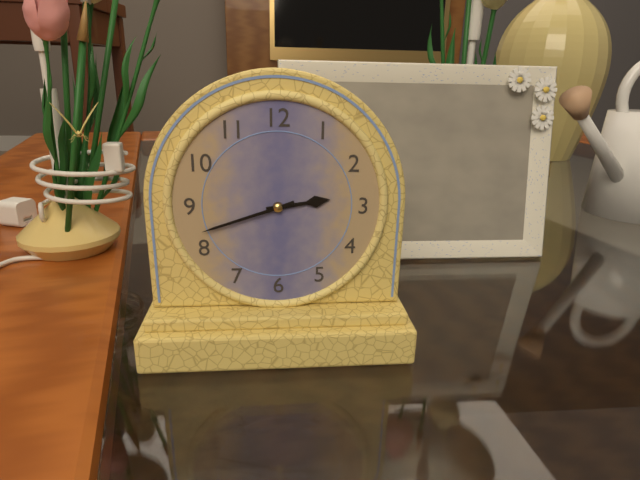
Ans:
h=2 m=42
